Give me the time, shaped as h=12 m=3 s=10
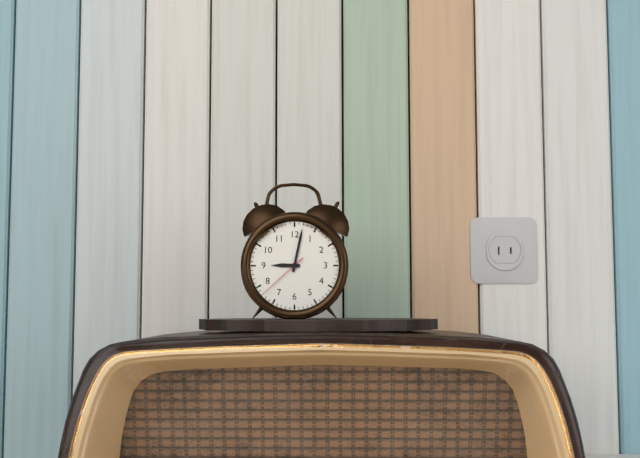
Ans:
h=9 m=2 s=38
